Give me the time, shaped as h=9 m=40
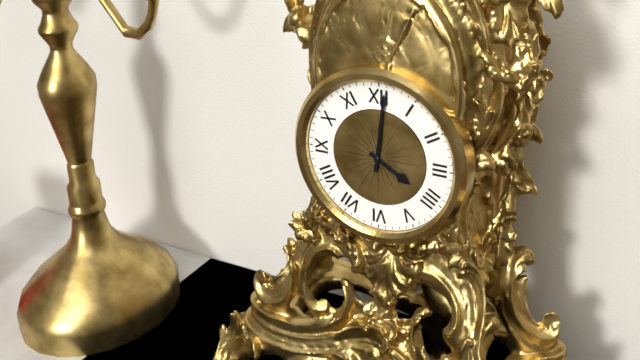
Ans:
h=4 m=1
